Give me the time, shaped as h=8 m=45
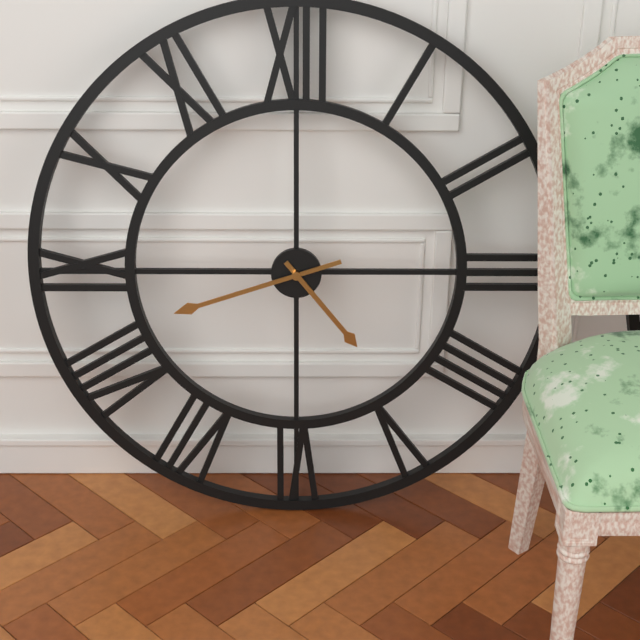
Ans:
h=4 m=42
